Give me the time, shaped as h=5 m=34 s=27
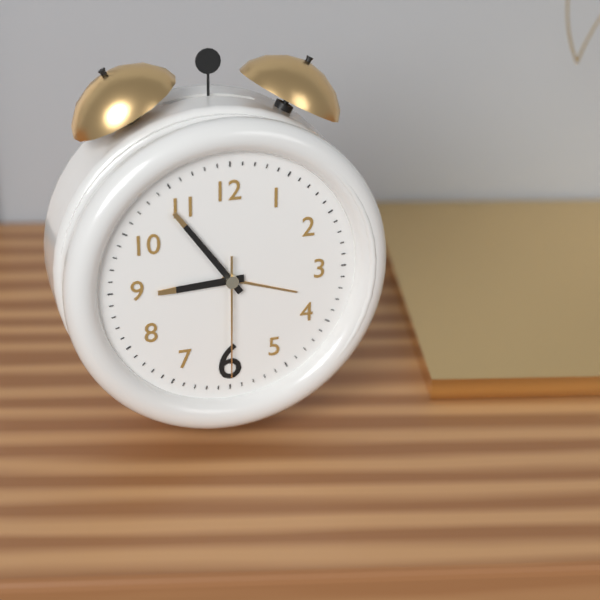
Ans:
h=8 m=54 s=30
